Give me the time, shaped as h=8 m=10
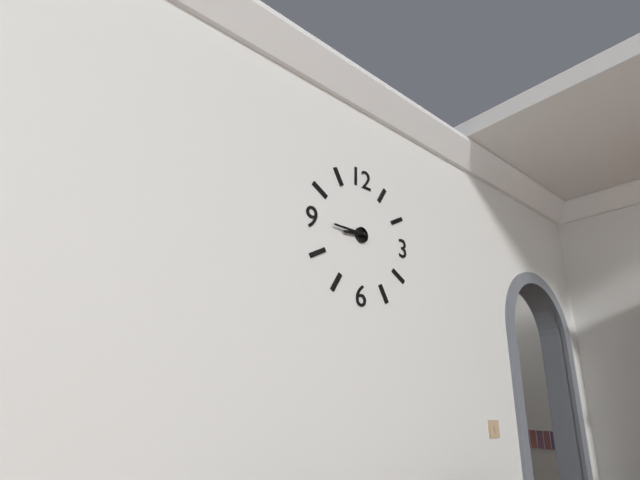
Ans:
h=8 m=45
